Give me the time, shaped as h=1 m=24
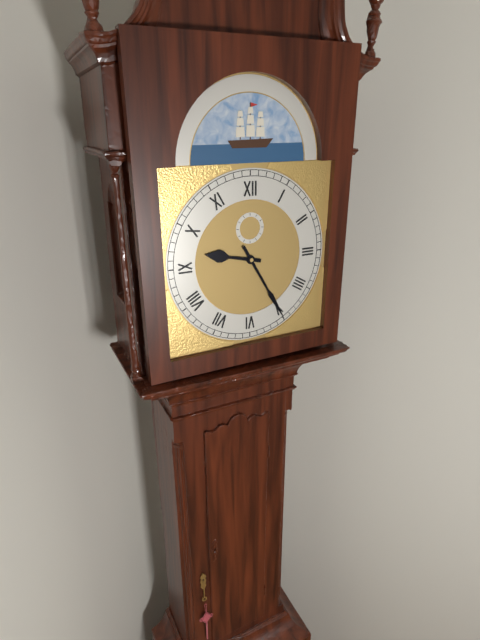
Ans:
h=9 m=25
